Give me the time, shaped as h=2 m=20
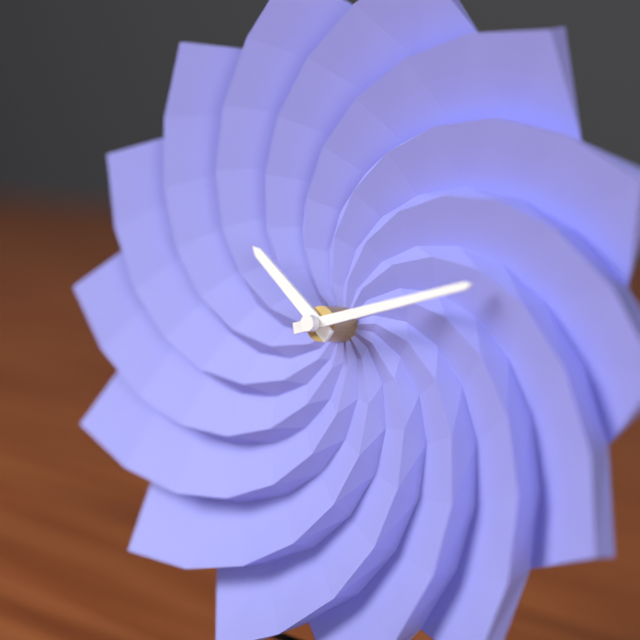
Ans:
h=10 m=12
